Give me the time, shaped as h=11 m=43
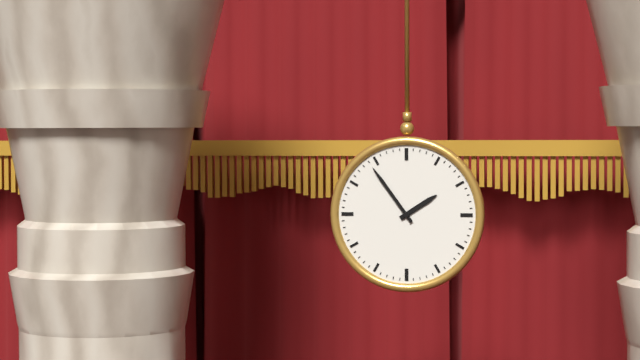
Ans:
h=1 m=54
